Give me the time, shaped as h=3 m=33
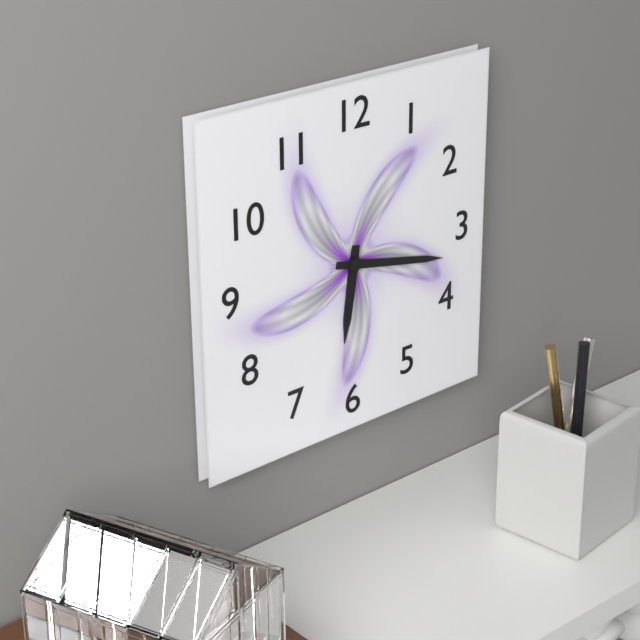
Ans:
h=6 m=17
